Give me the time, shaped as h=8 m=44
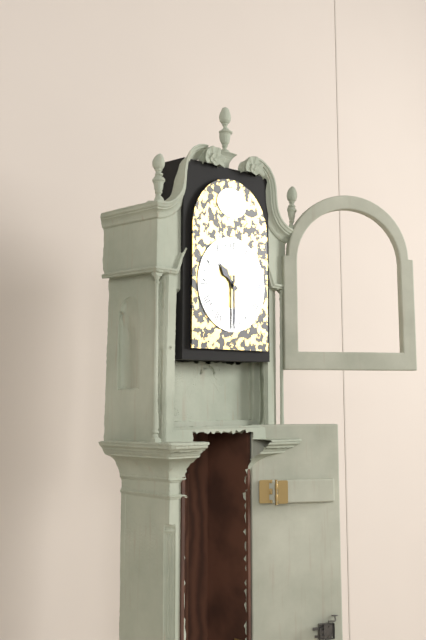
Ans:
h=10 m=30
